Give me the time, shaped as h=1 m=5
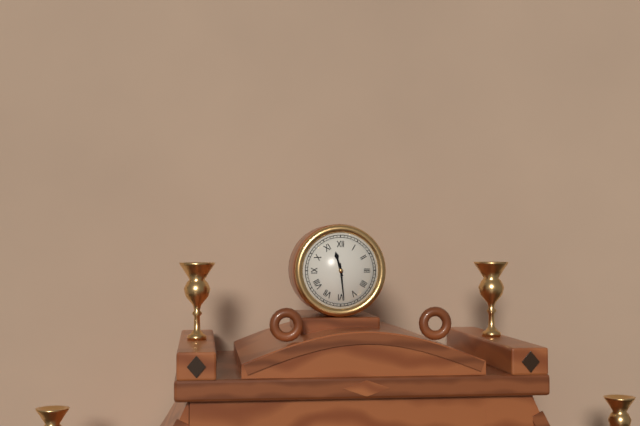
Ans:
h=11 m=29
